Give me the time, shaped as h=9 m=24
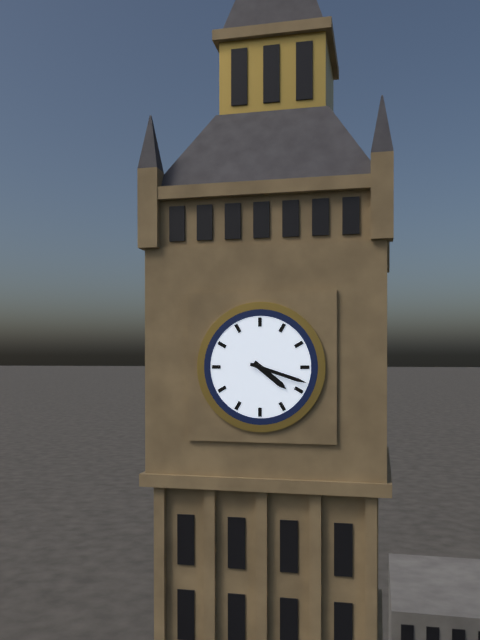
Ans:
h=4 m=18
